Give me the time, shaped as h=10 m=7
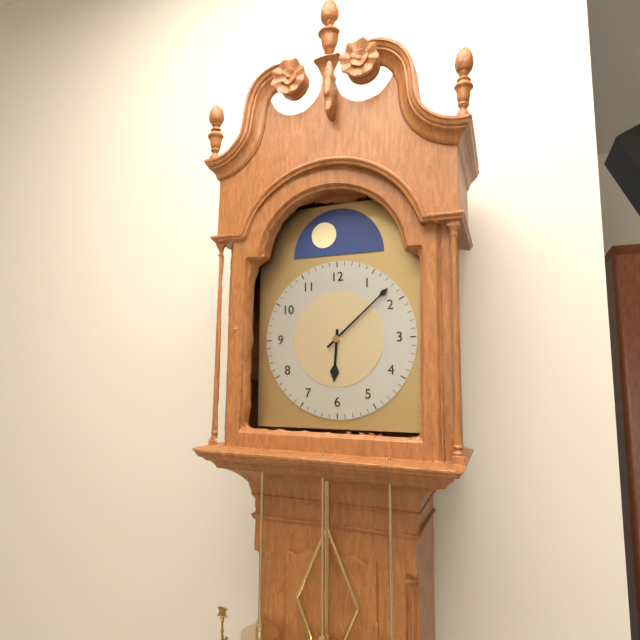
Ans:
h=6 m=8
